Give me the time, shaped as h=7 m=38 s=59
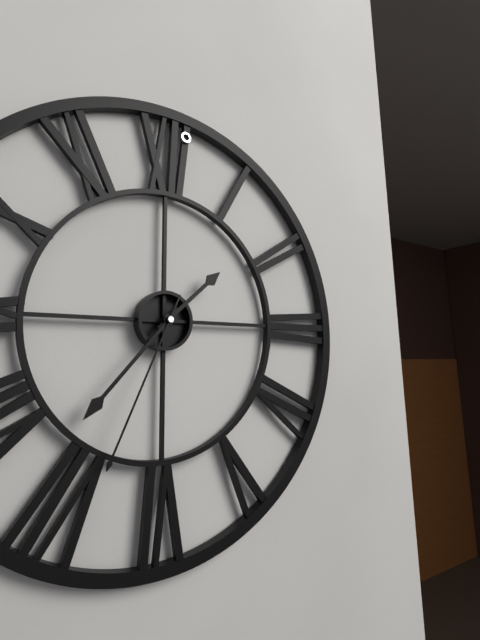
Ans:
h=1 m=37 s=34
